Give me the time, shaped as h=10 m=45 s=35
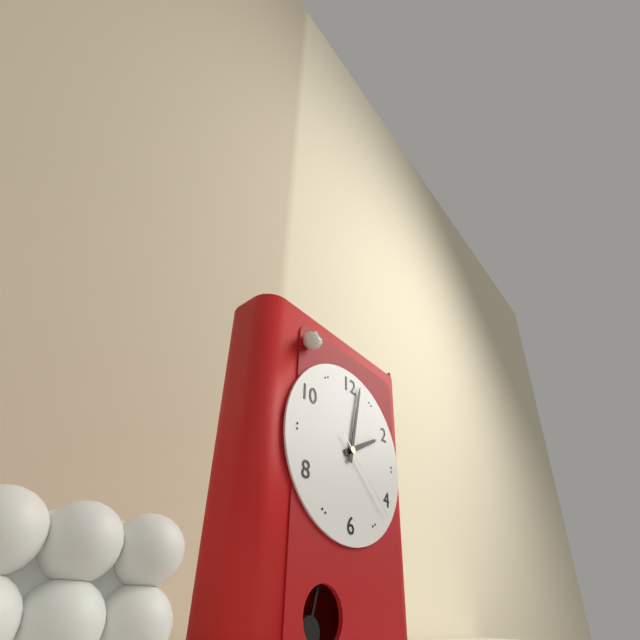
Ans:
h=2 m=2 s=22
